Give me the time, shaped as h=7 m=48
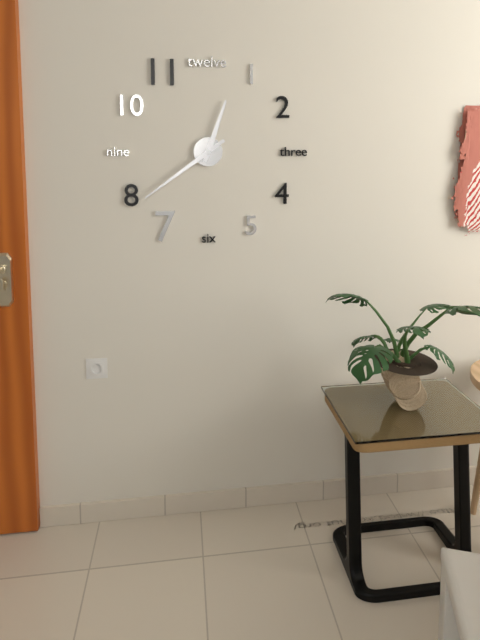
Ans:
h=12 m=39
